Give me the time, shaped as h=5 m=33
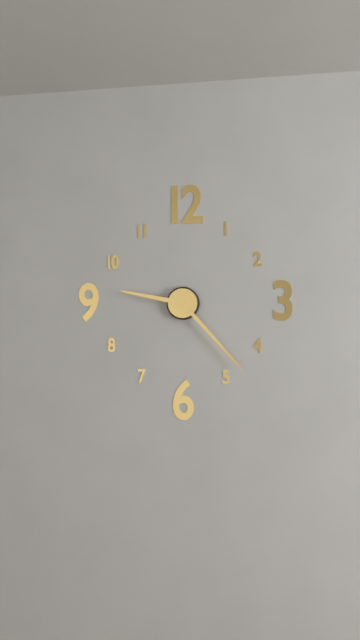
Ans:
h=9 m=23
